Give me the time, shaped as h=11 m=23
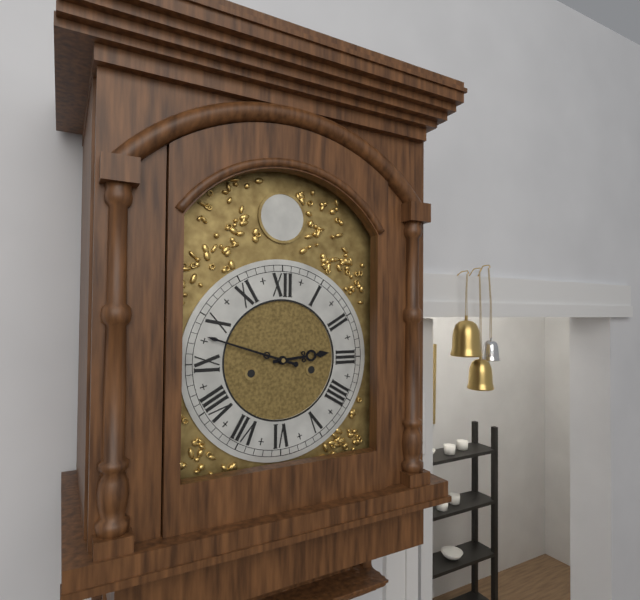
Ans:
h=2 m=48
